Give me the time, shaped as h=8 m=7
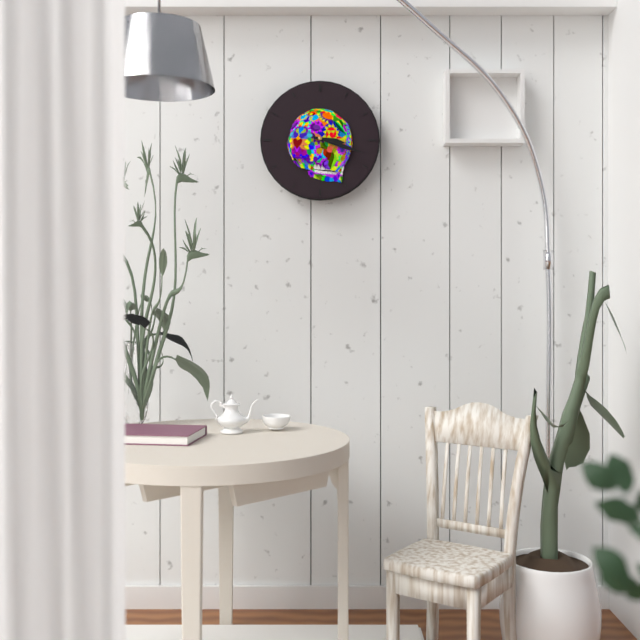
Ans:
h=3 m=18
